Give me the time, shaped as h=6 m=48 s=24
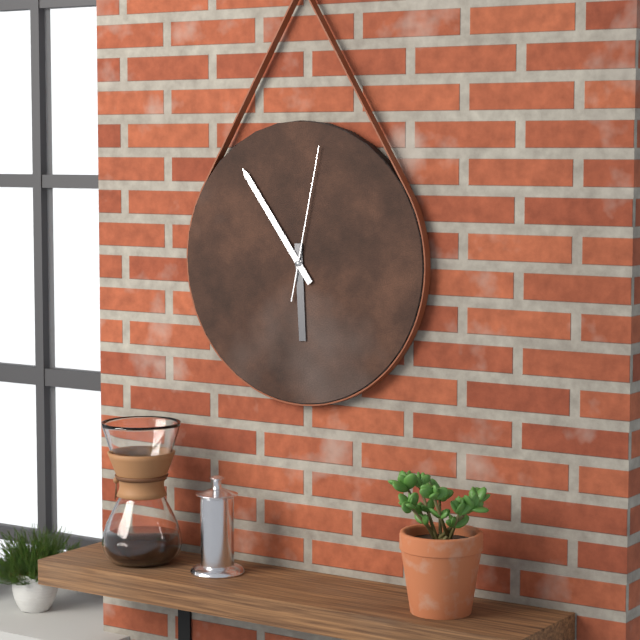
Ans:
h=5 m=54 s=2
